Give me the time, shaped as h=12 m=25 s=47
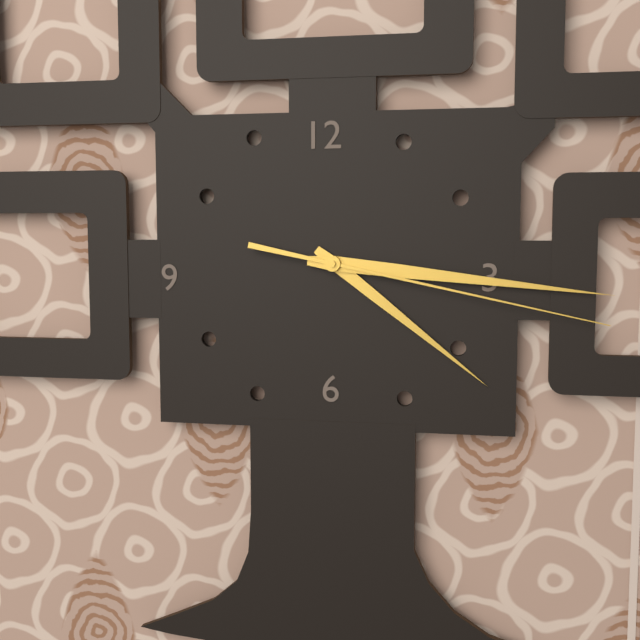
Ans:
h=4 m=16 s=17
